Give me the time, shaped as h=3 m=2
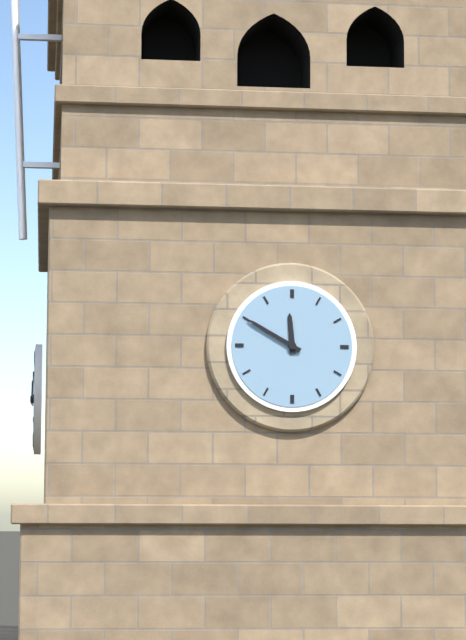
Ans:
h=11 m=50
